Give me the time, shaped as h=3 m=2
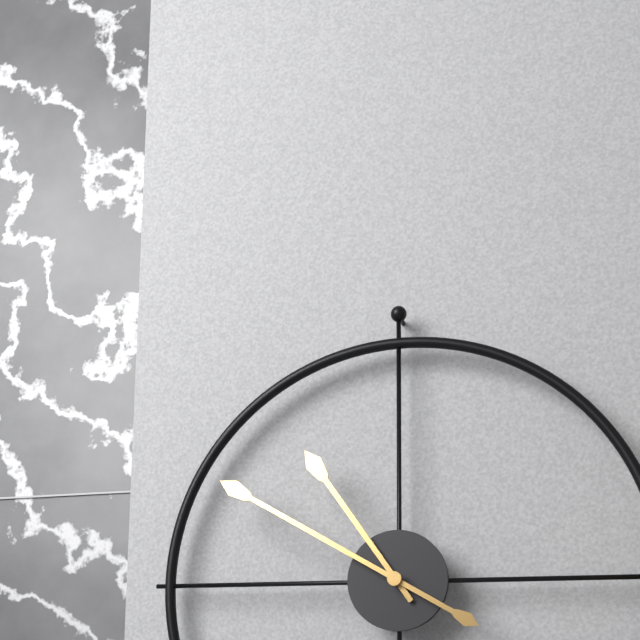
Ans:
h=10 m=50
